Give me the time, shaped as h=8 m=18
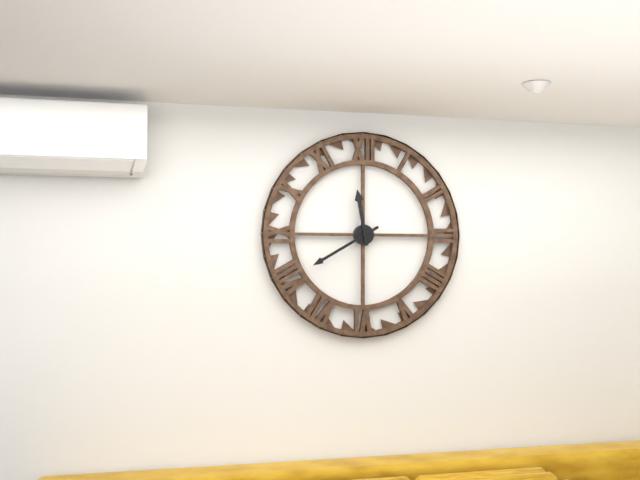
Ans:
h=11 m=40
